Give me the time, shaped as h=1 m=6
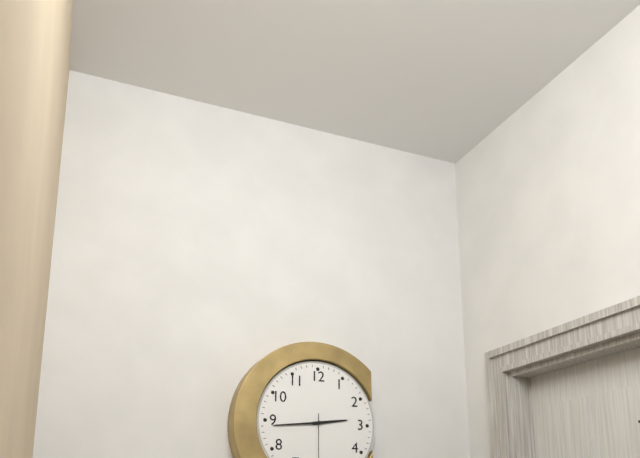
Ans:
h=2 m=44
